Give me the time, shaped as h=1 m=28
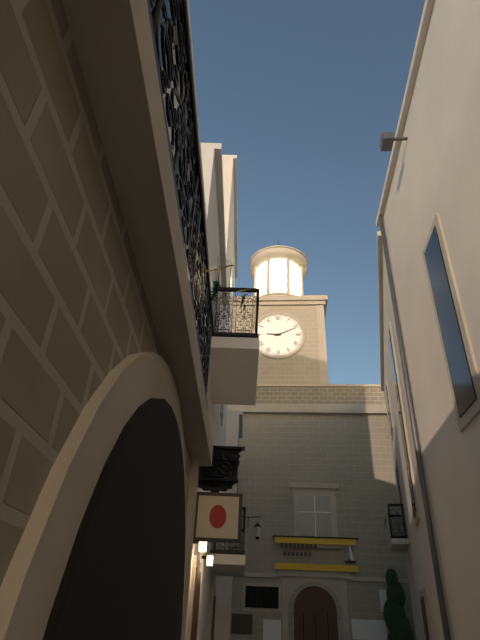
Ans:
h=9 m=11
